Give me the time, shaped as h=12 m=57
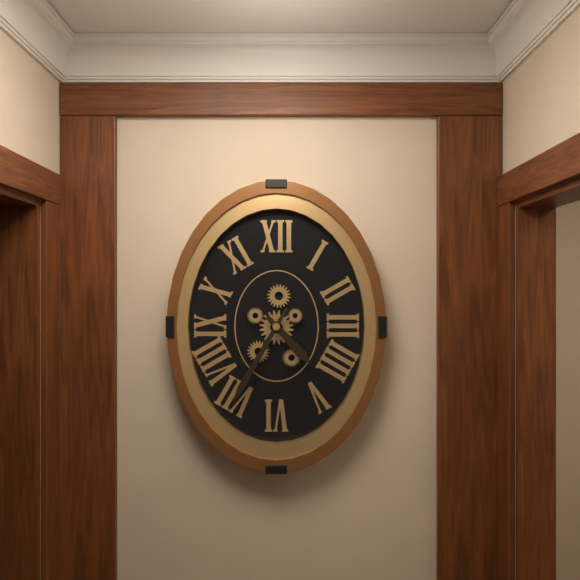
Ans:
h=4 m=35
